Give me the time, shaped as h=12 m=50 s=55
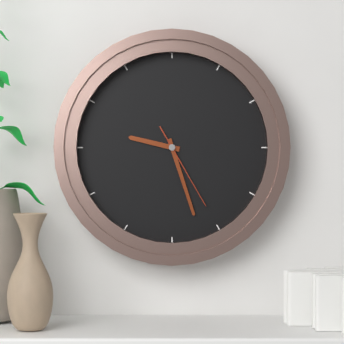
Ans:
h=9 m=27 s=25
